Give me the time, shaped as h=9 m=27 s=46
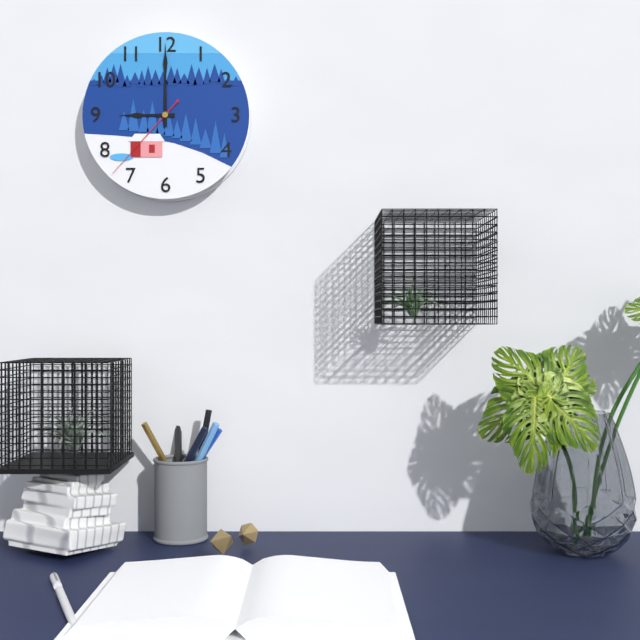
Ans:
h=9 m=0 s=37
